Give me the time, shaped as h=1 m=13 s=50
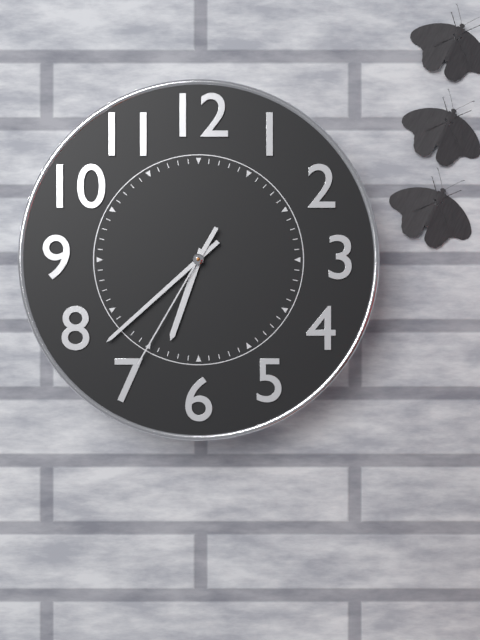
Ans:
h=6 m=38 s=35
